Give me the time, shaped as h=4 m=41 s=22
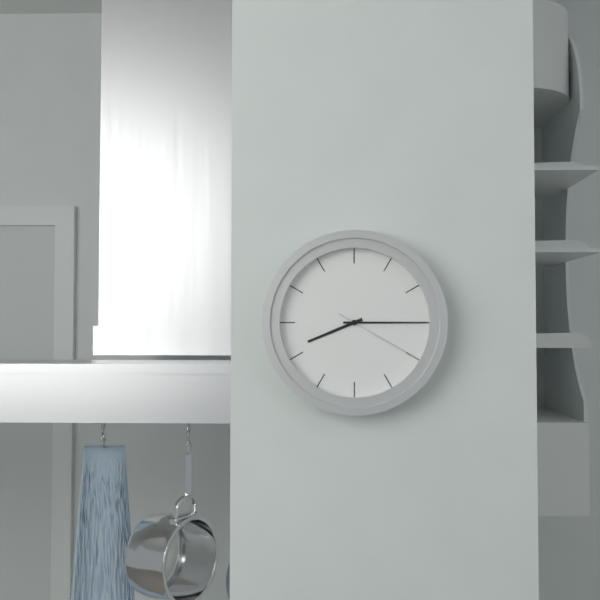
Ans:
h=8 m=15 s=20
